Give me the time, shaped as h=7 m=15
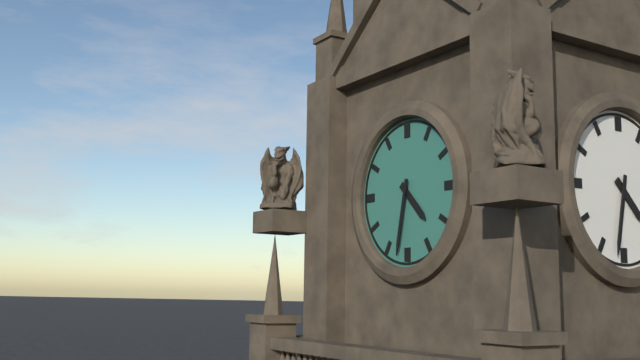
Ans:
h=4 m=32
